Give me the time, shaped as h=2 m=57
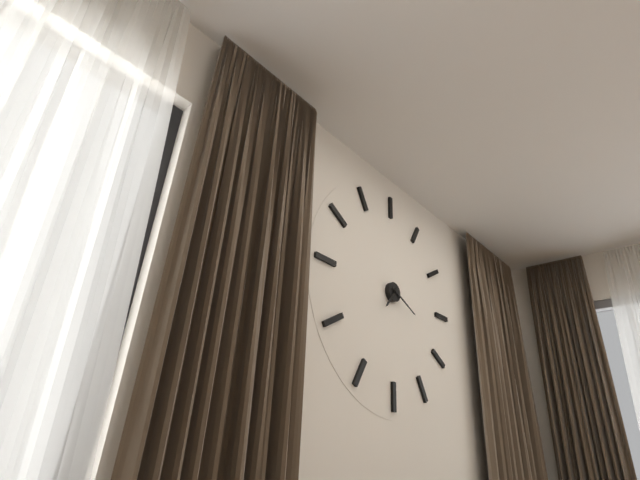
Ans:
h=7 m=19
